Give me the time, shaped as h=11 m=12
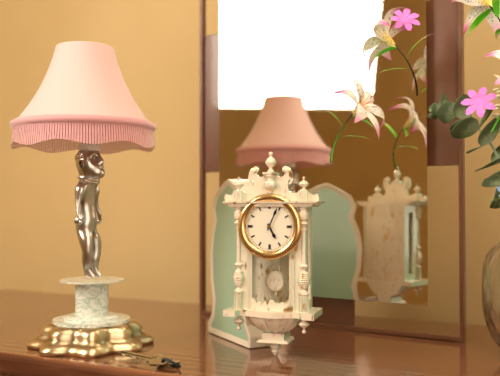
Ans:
h=5 m=4
